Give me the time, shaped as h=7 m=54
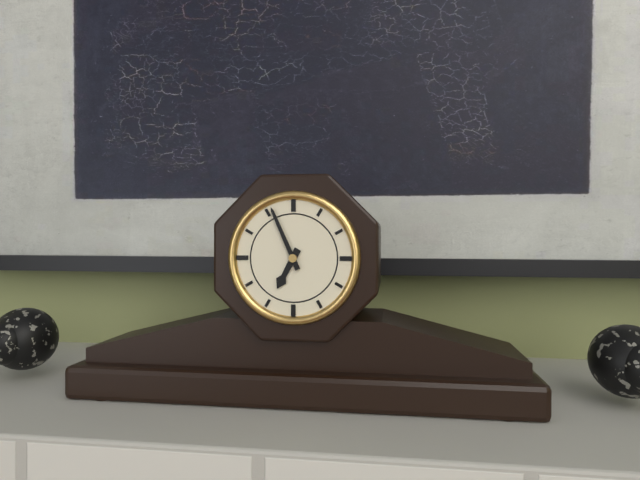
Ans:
h=6 m=56
